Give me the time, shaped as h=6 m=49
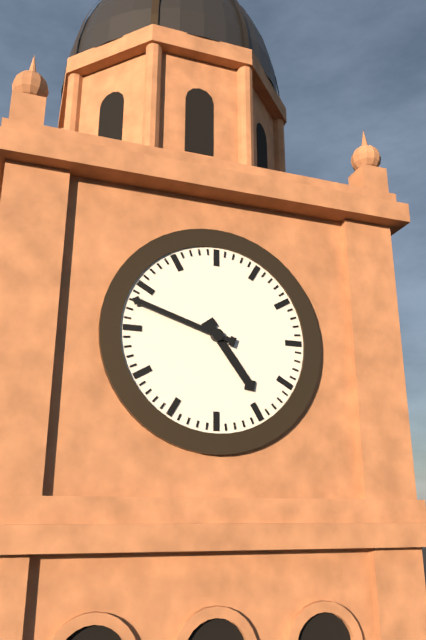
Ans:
h=4 m=48
